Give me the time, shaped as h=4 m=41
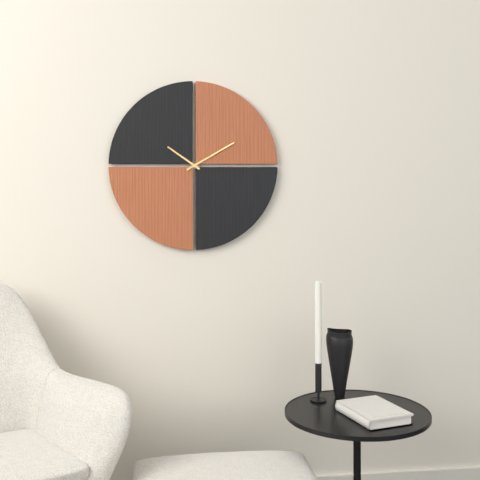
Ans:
h=10 m=10
